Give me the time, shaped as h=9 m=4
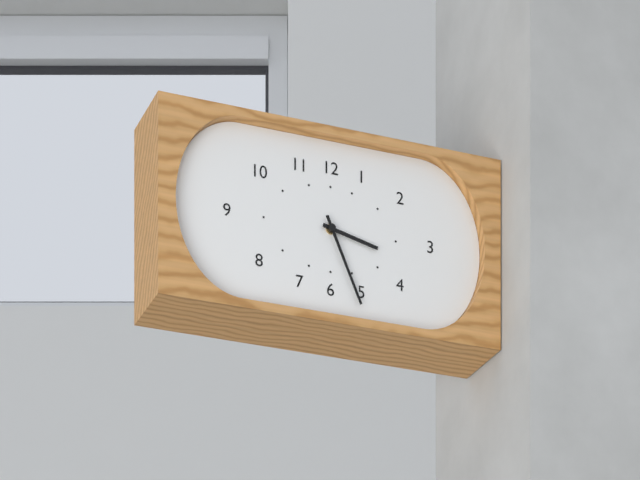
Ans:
h=3 m=26
